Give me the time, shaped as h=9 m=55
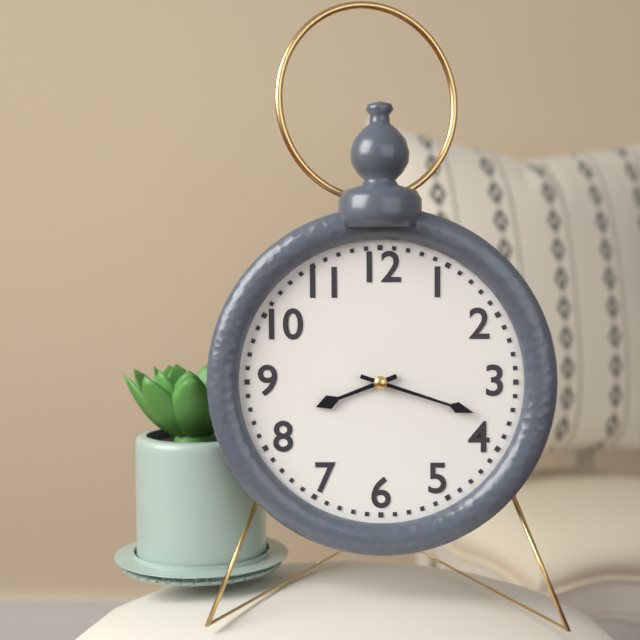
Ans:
h=8 m=18
